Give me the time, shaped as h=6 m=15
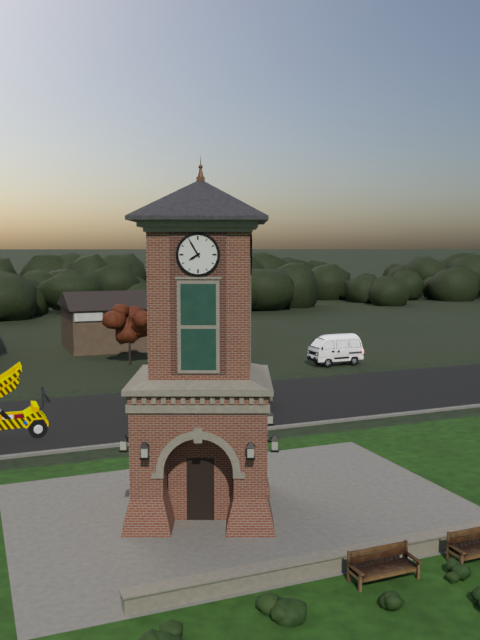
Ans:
h=7 m=55
